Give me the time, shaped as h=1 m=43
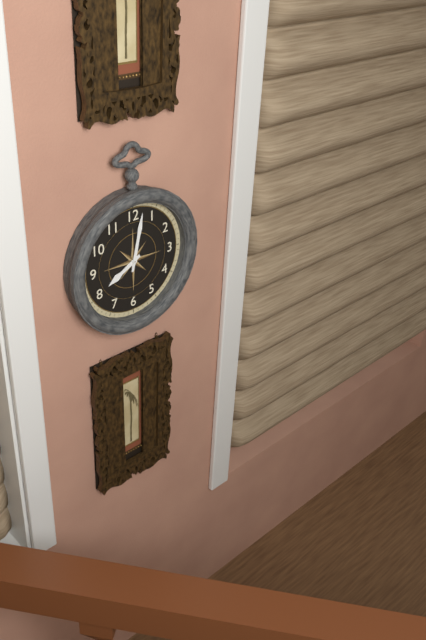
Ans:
h=8 m=2
